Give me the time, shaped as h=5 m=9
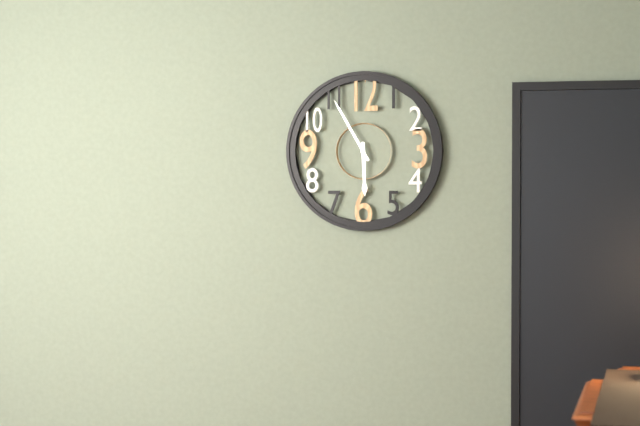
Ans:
h=5 m=55
